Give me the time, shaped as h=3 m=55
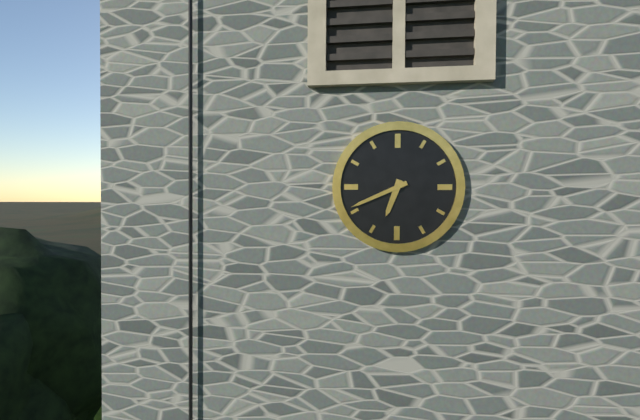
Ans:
h=6 m=41
